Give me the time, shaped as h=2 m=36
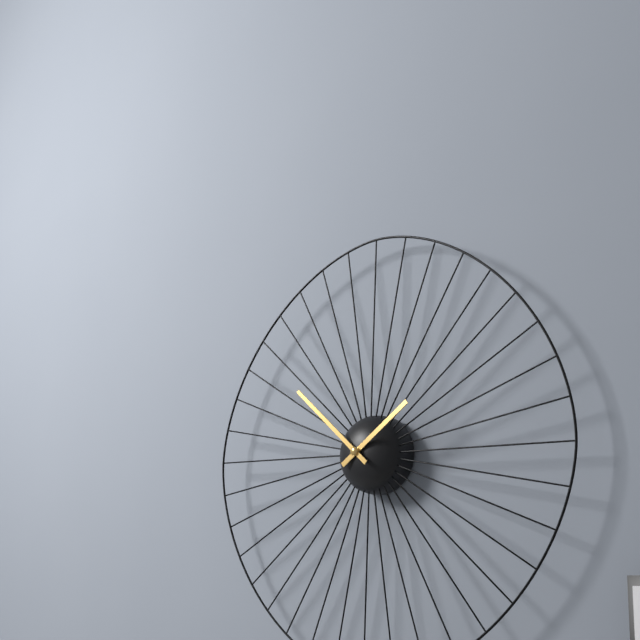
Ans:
h=1 m=52
